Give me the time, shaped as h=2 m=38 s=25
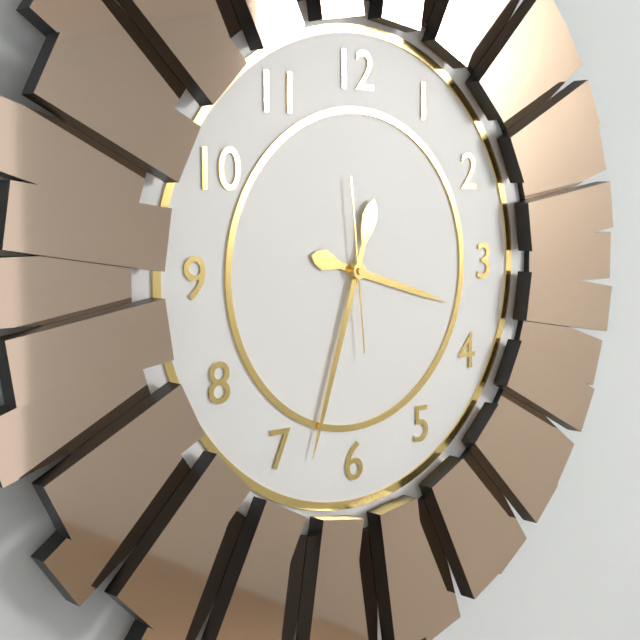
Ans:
h=3 m=33 s=59
